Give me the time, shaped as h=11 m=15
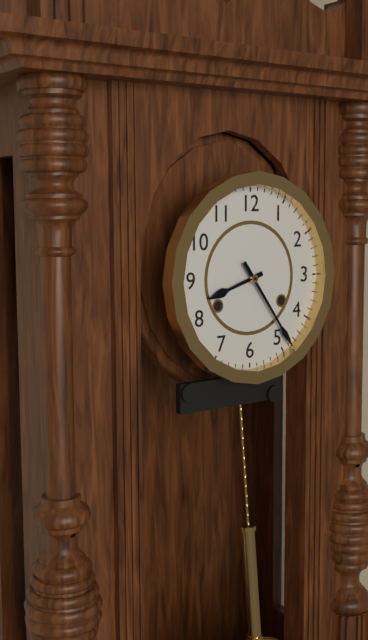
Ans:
h=8 m=24
